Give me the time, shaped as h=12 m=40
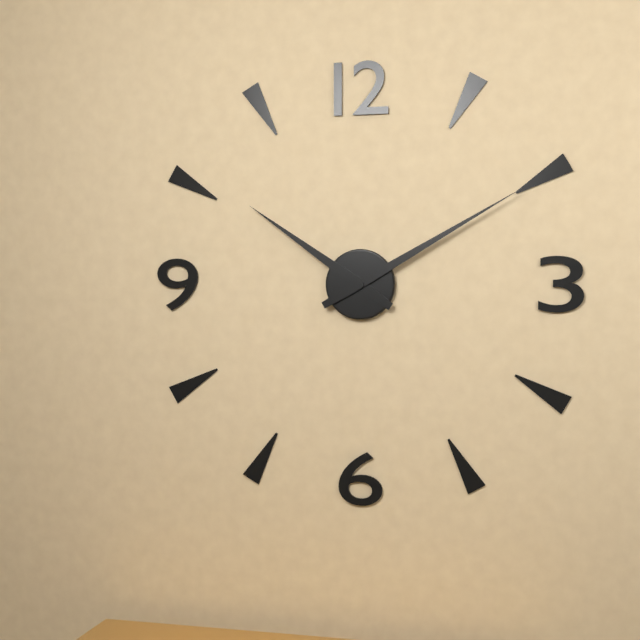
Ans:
h=10 m=10
